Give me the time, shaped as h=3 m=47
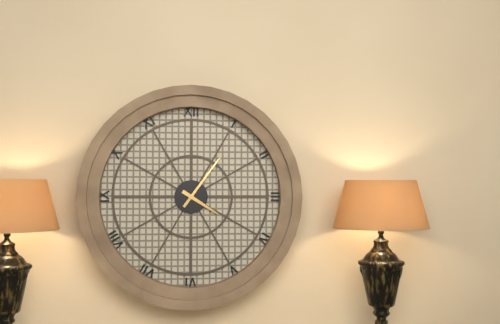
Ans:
h=4 m=6
